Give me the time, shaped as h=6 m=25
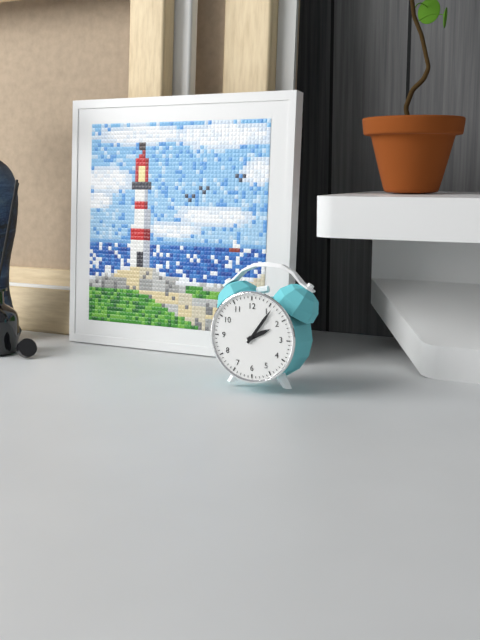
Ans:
h=2 m=6
